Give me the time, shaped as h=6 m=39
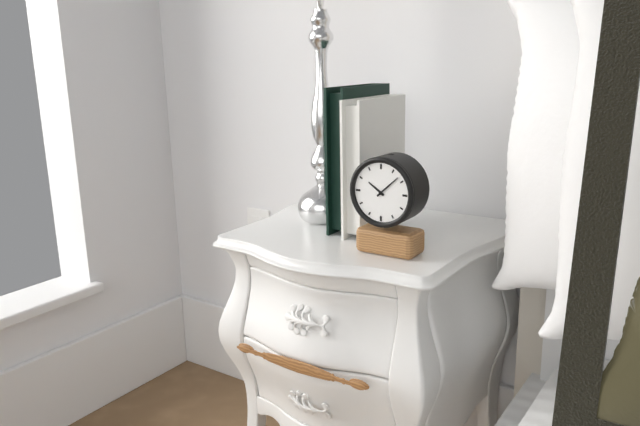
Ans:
h=10 m=8
